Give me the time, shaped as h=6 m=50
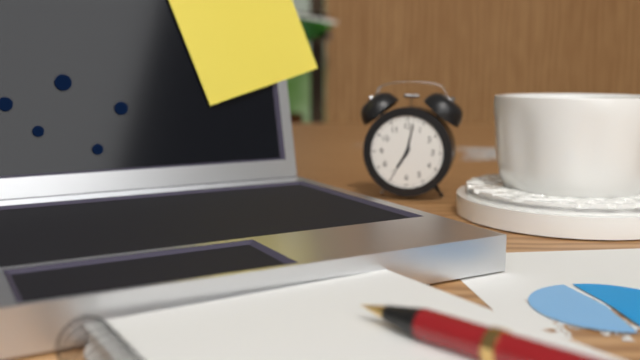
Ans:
h=7 m=2
